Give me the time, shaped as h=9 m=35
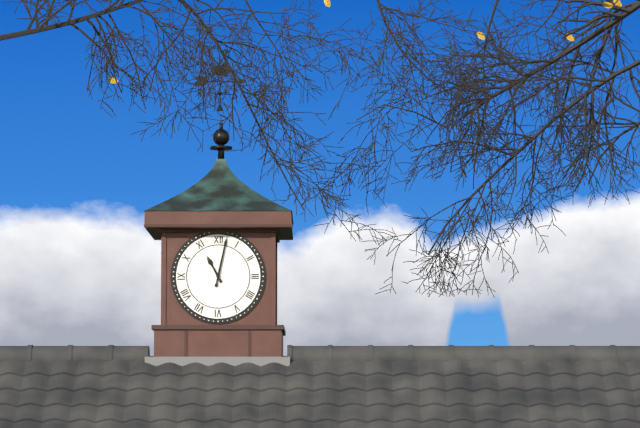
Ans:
h=11 m=2
